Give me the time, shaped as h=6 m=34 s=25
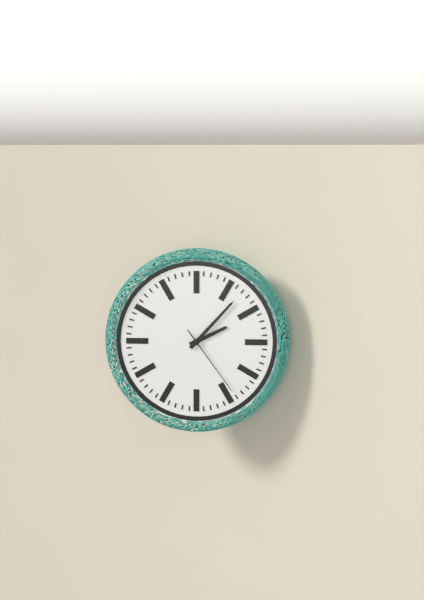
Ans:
h=2 m=7 s=24
